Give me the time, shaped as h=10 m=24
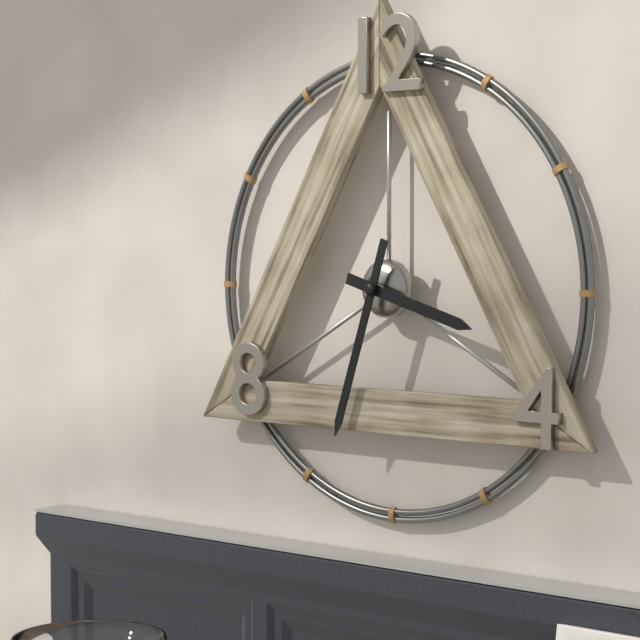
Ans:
h=3 m=33
